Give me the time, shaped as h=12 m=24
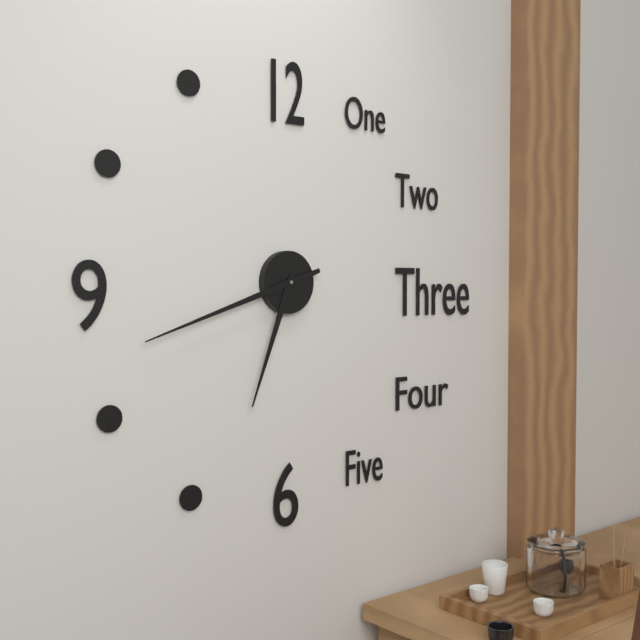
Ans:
h=6 m=42
